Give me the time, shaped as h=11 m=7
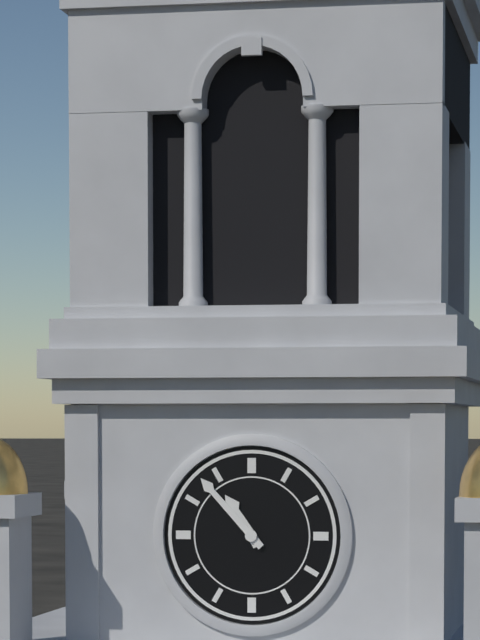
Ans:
h=10 m=53
